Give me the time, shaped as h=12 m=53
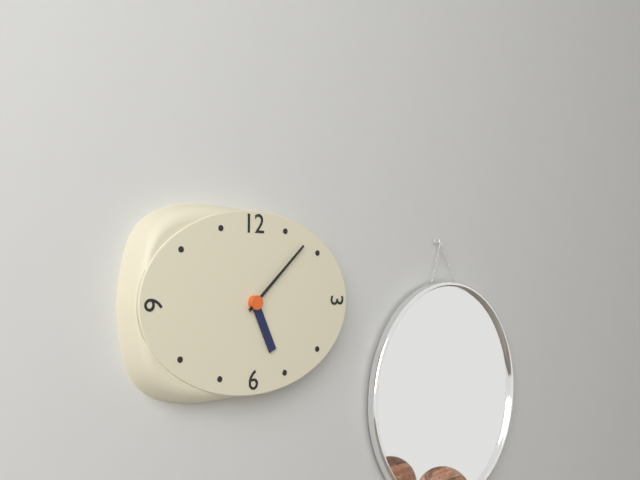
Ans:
h=5 m=8
